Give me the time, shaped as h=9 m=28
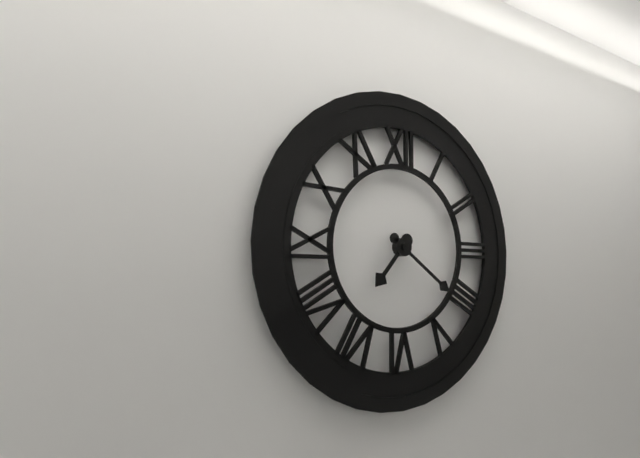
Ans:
h=7 m=21
